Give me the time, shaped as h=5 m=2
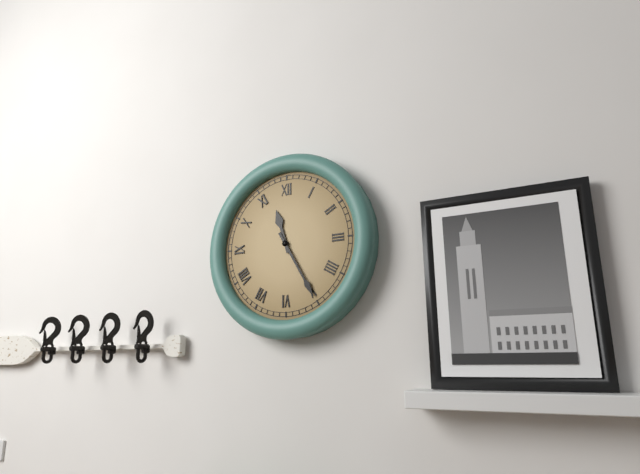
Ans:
h=11 m=25
